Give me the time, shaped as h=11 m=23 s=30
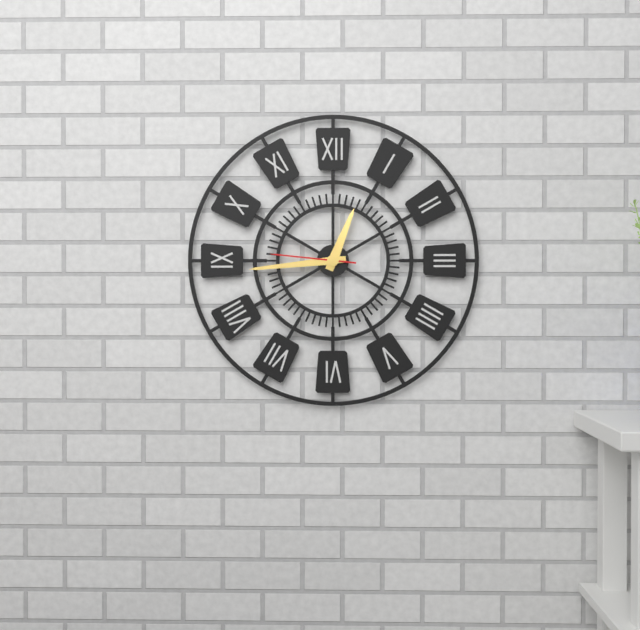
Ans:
h=12 m=44 s=46
